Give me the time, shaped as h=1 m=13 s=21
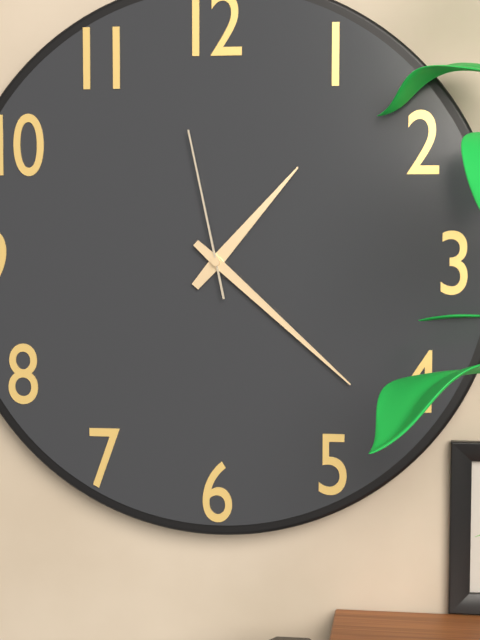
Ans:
h=1 m=22 s=58
